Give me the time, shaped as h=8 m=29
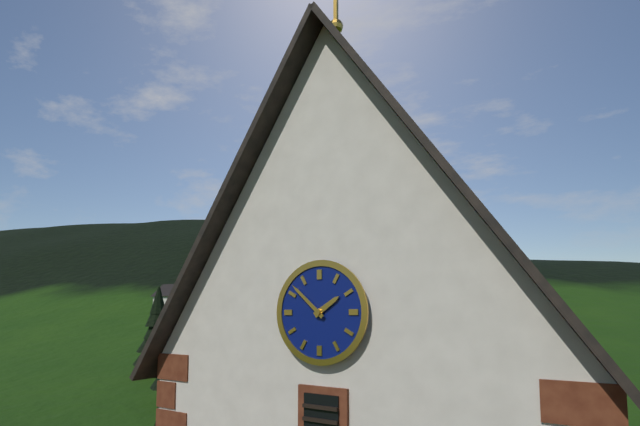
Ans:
h=1 m=52
